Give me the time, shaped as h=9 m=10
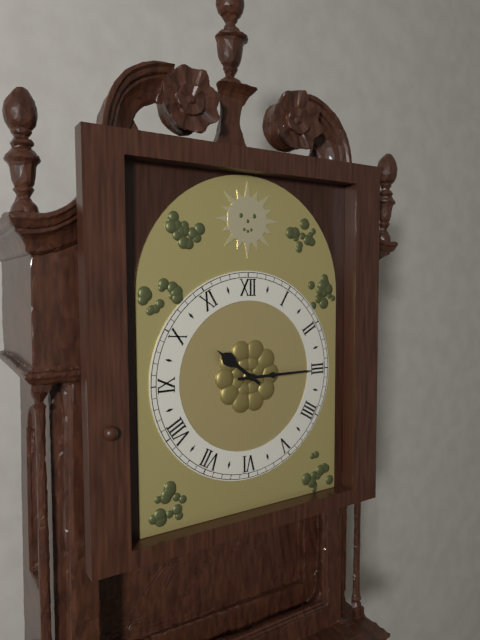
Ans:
h=10 m=15
